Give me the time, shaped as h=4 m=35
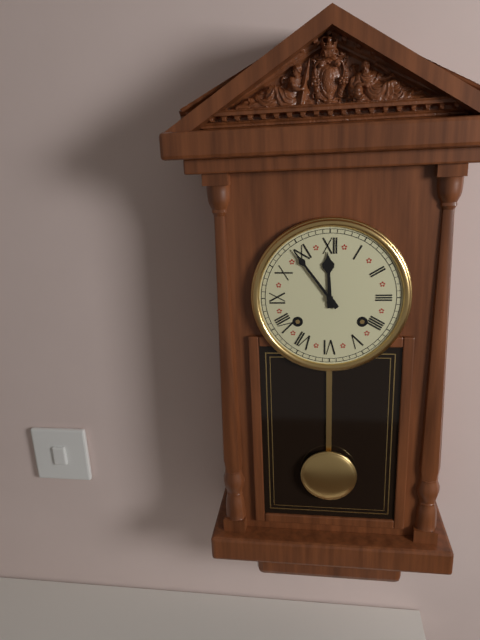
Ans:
h=11 m=54
